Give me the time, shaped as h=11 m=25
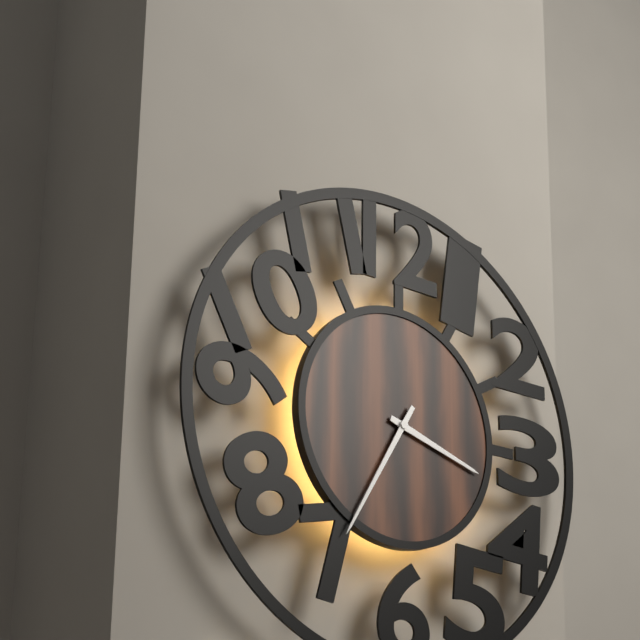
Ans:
h=3 m=35
